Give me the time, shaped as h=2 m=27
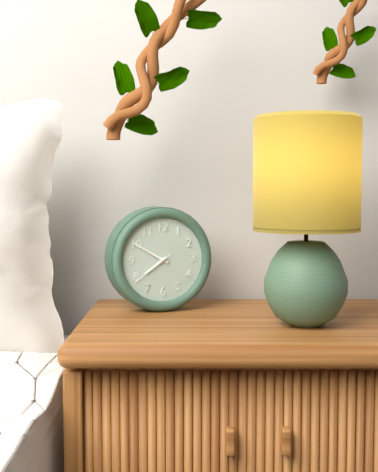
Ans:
h=7 m=50
